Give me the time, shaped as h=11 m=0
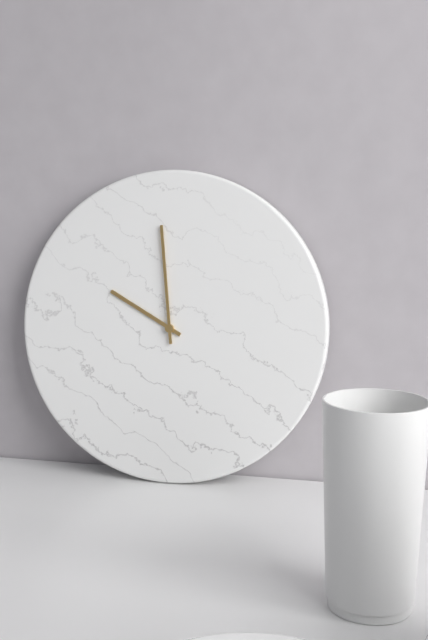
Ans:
h=9 m=59
